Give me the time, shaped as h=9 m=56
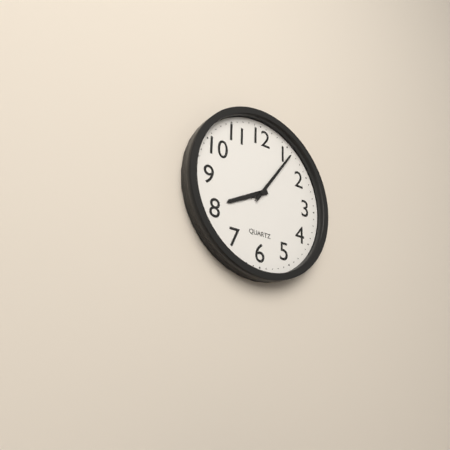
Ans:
h=8 m=6
